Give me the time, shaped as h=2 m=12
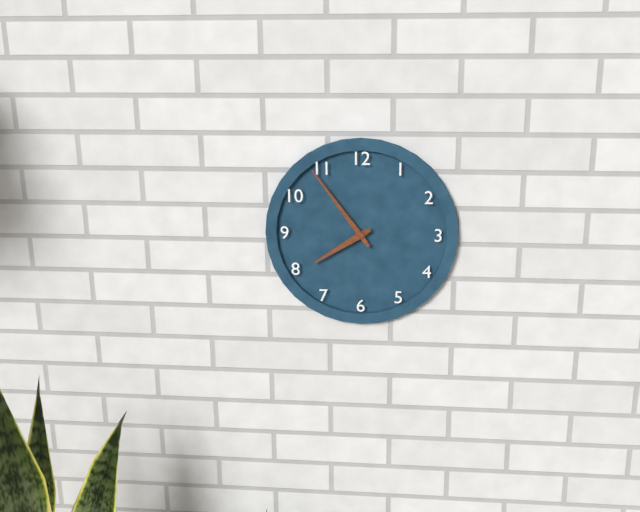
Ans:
h=7 m=54
